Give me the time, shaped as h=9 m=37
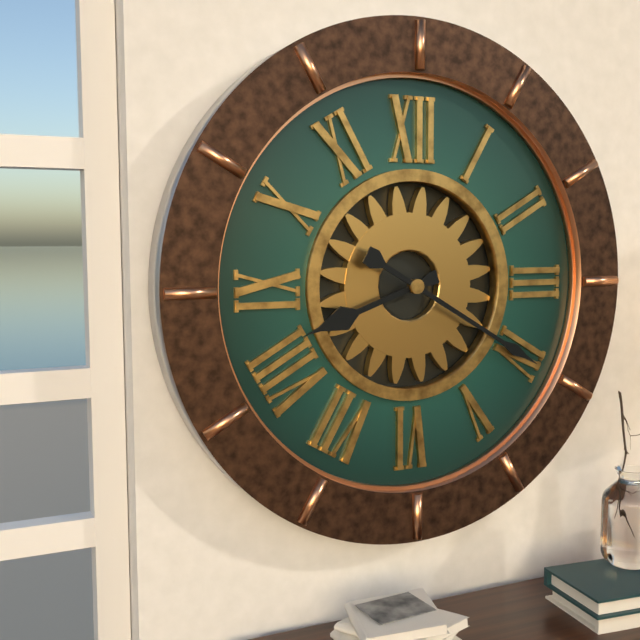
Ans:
h=8 m=20
